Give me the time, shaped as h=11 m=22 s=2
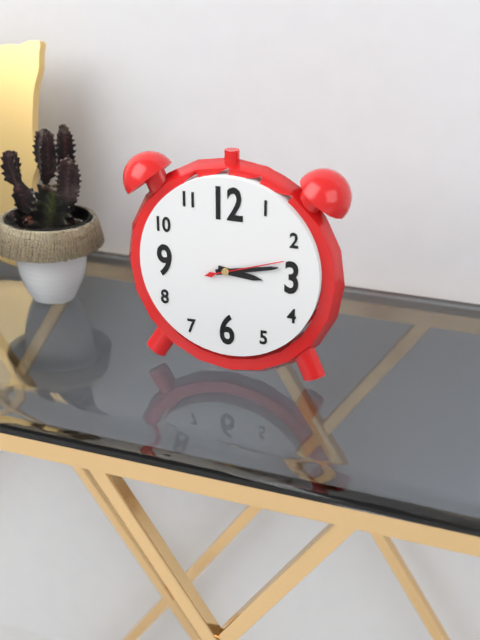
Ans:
h=3 m=13 s=12
